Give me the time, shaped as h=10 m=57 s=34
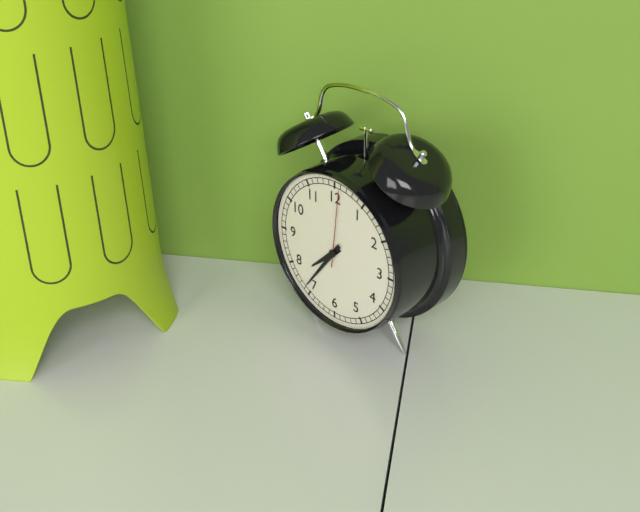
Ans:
h=7 m=36 s=1
